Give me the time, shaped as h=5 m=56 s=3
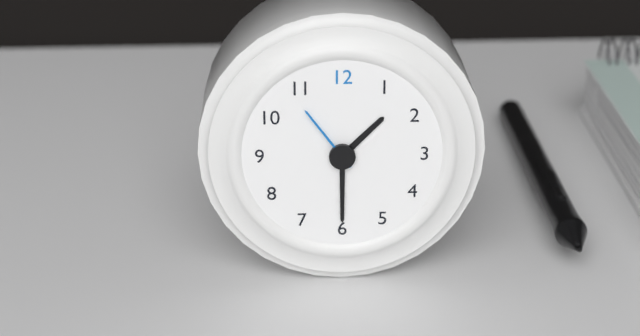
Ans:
h=1 m=30 s=54
